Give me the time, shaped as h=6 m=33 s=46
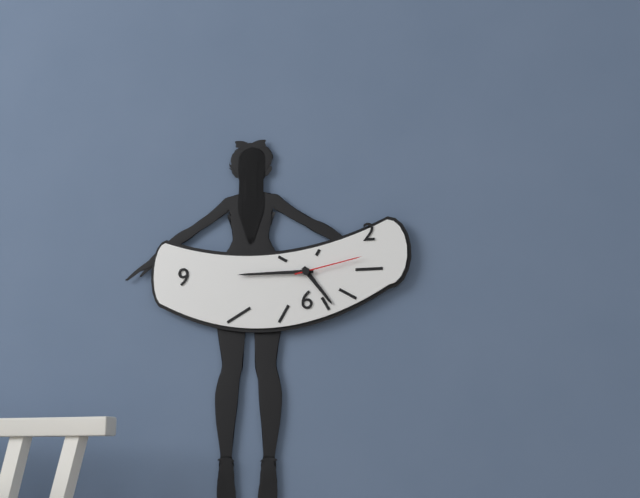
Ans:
h=4 m=45 s=13
